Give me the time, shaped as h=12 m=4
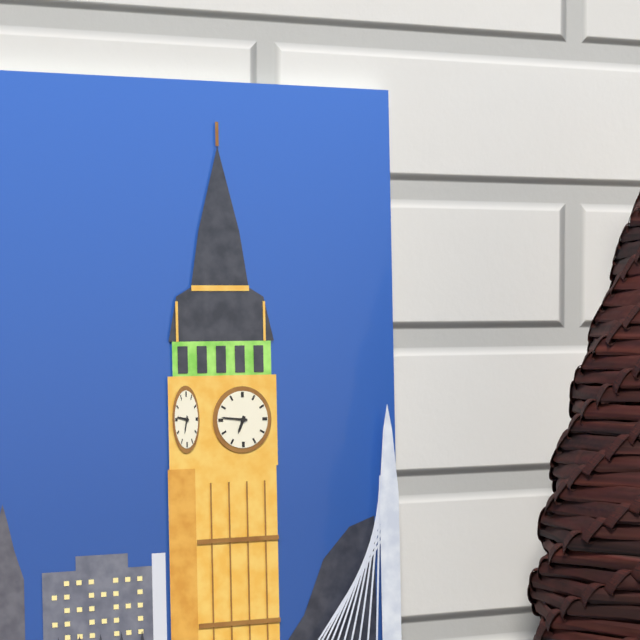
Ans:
h=6 m=46
